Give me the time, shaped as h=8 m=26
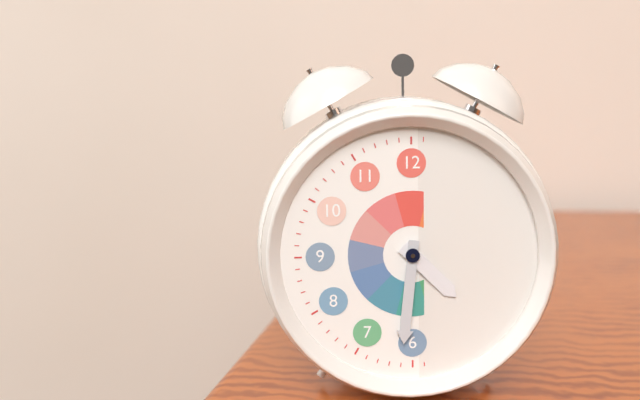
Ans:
h=4 m=31
